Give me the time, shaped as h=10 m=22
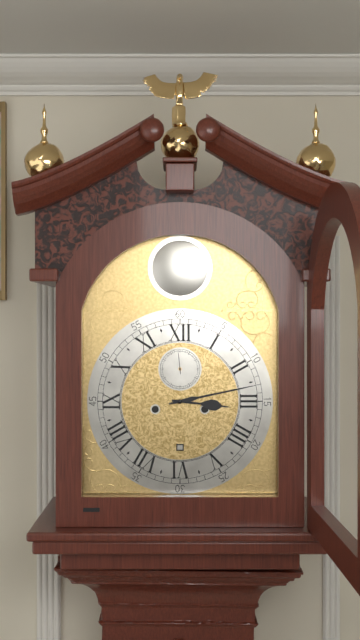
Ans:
h=3 m=13
